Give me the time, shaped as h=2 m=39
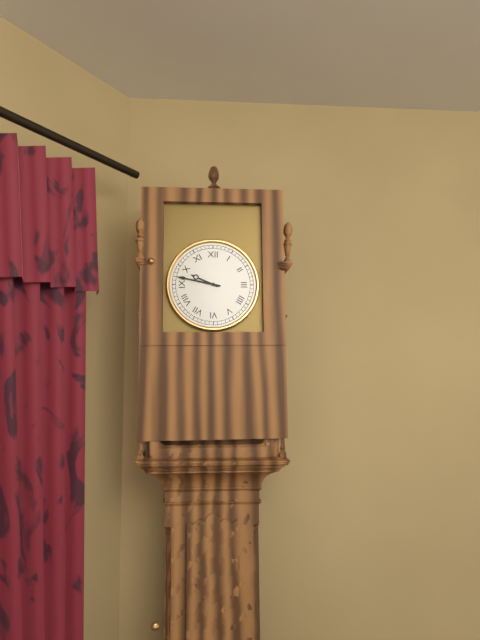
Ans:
h=9 m=47
